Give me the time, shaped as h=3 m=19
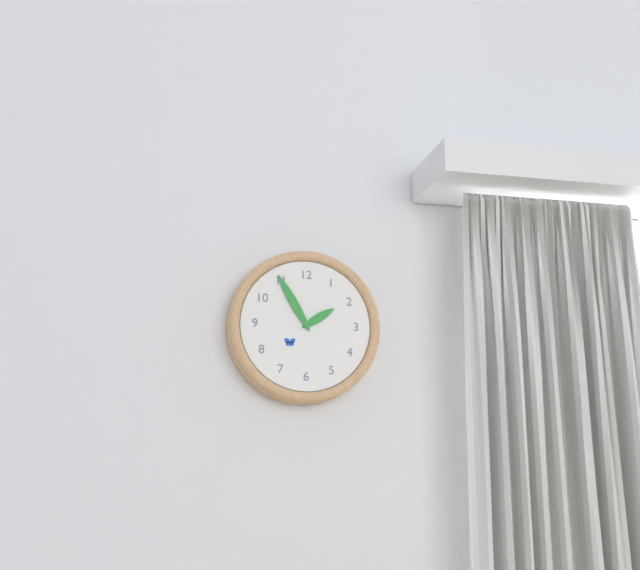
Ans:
h=1 m=55
